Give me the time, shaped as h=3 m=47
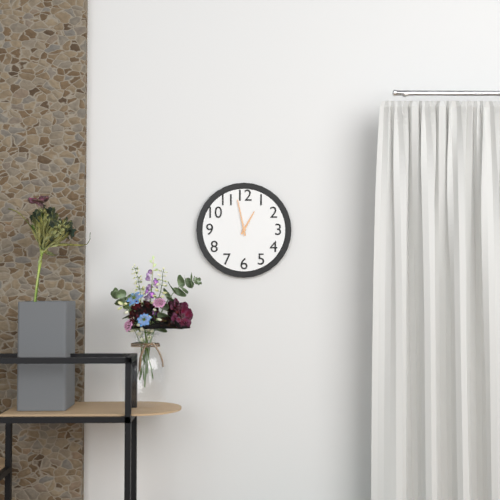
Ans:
h=12 m=58
